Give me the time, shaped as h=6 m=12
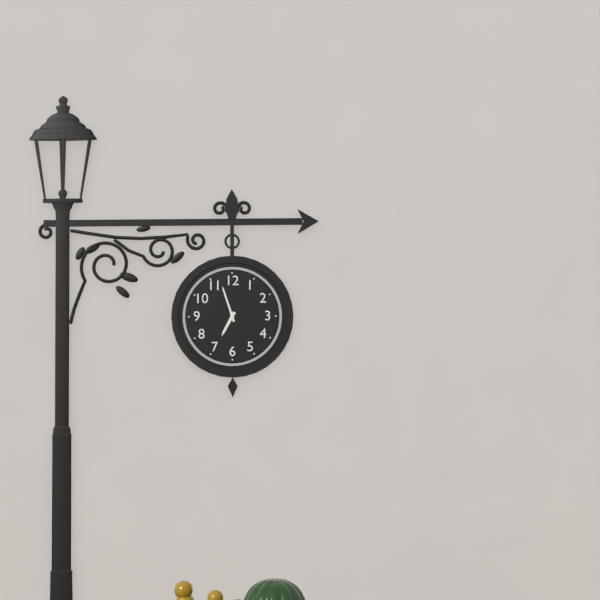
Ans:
h=6 m=57
